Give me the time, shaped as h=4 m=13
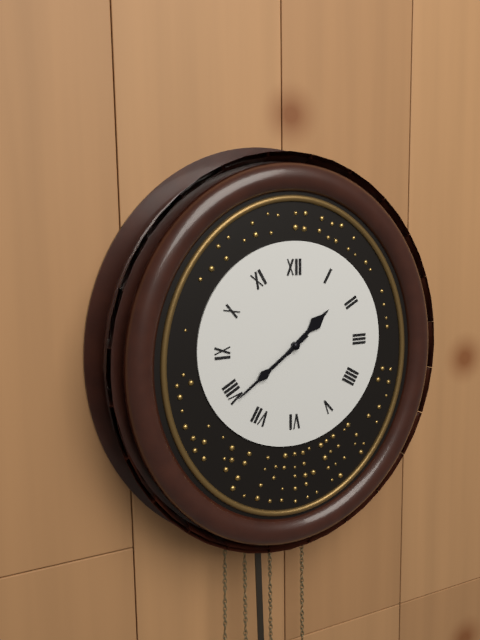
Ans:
h=1 m=39
